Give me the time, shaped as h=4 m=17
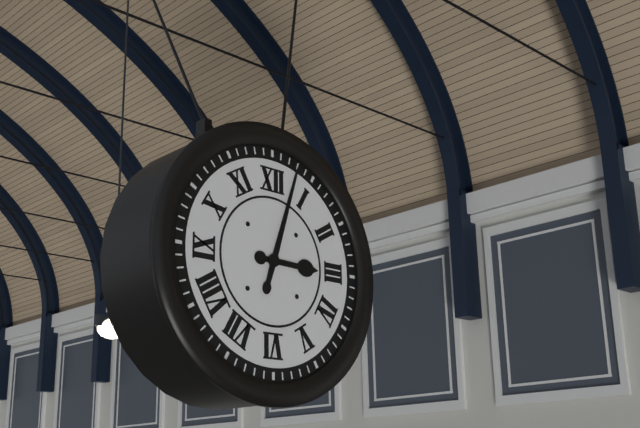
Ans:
h=3 m=3
